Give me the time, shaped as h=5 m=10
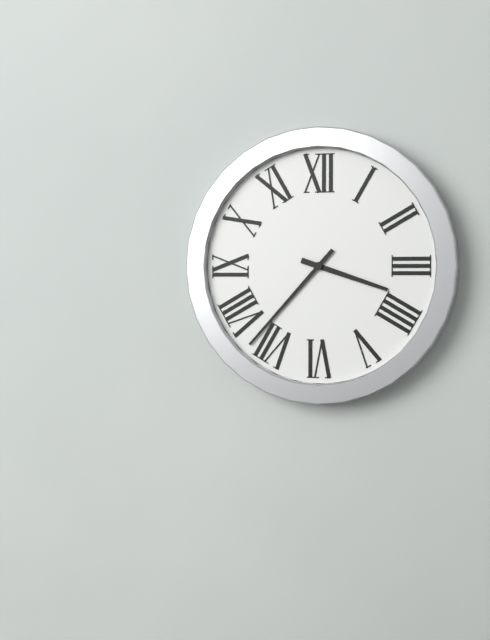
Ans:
h=3 m=37
